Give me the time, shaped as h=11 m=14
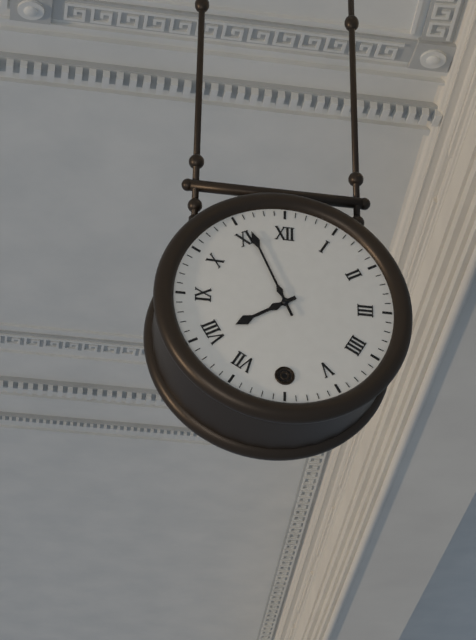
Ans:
h=7 m=56
